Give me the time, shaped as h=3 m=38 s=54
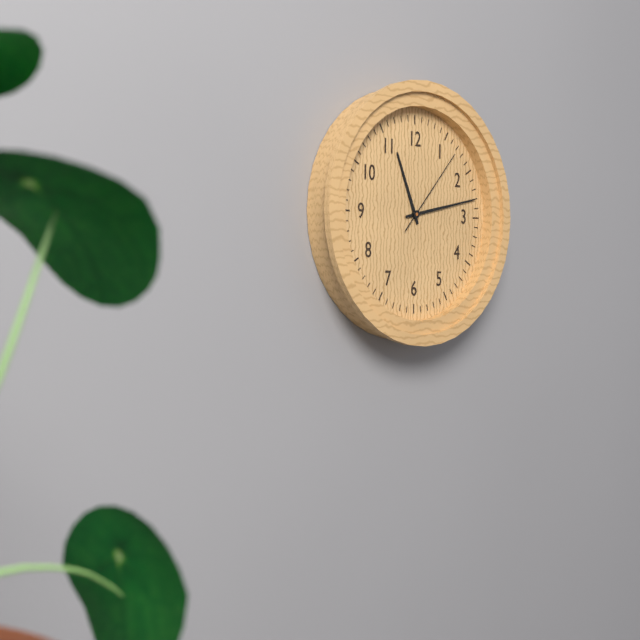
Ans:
h=11 m=13 s=7
